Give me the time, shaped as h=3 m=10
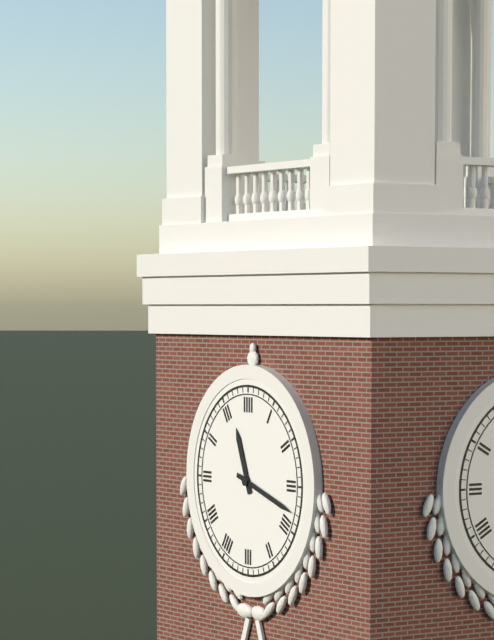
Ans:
h=11 m=18
